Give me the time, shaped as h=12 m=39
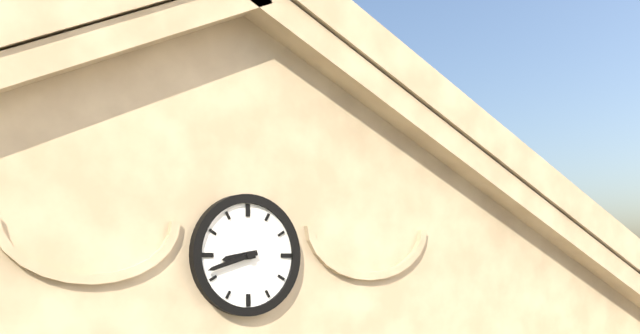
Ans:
h=8 m=42
